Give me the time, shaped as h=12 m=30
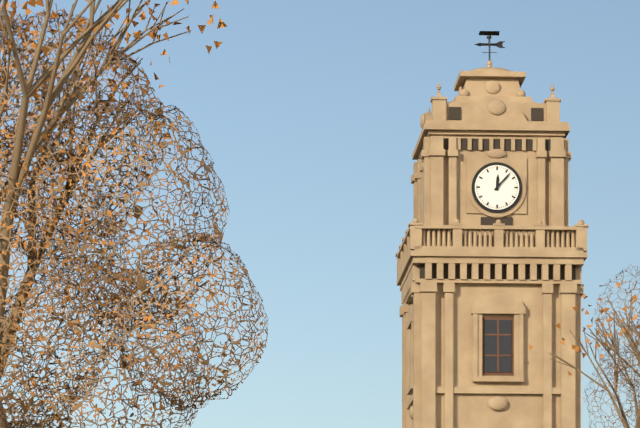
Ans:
h=12 m=7
